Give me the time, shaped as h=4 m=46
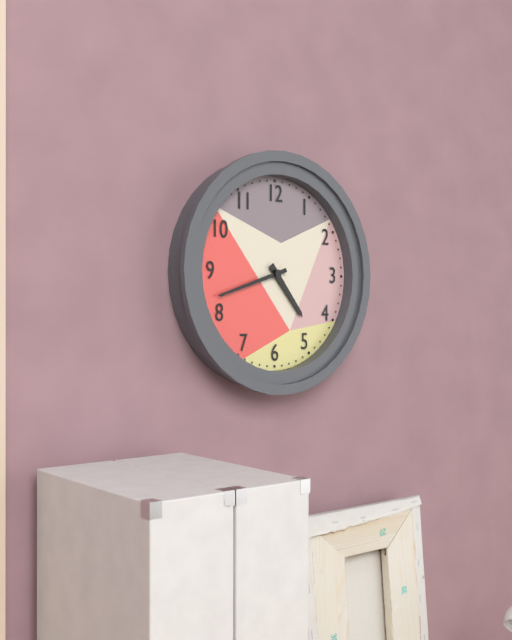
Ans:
h=4 m=42
